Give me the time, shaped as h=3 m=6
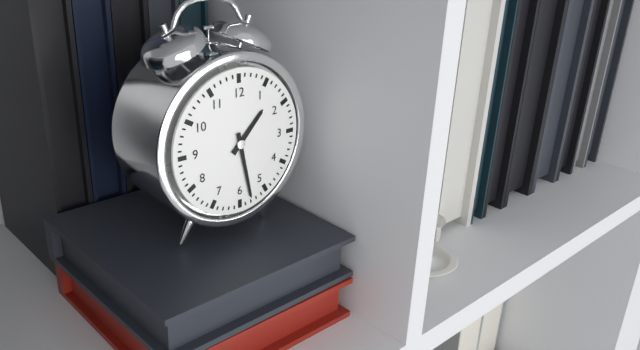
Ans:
h=1 m=28
